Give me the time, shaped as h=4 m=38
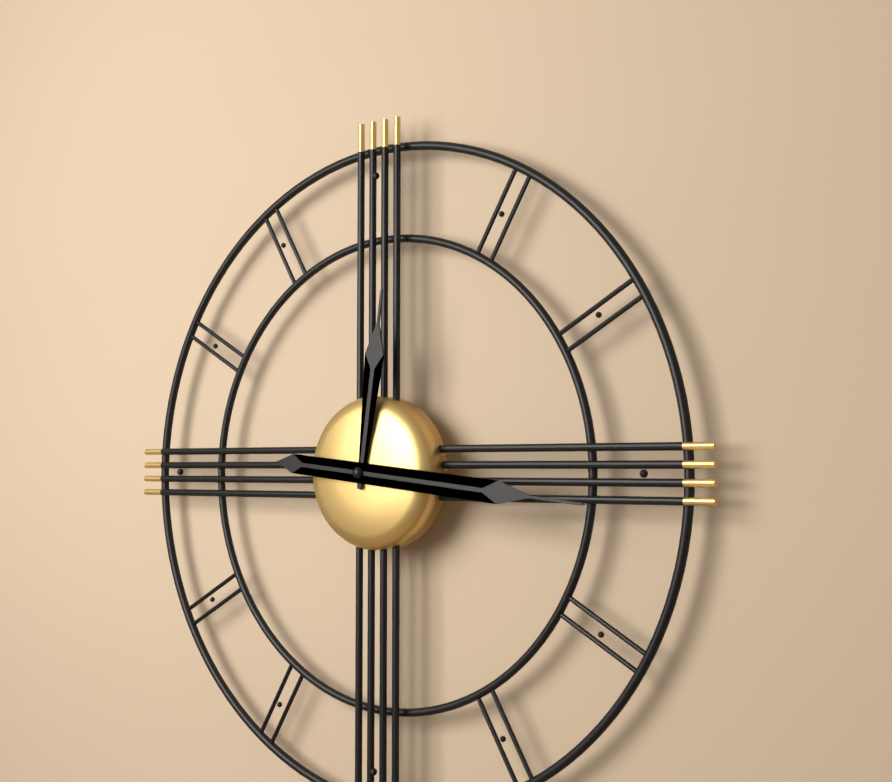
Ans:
h=12 m=16
